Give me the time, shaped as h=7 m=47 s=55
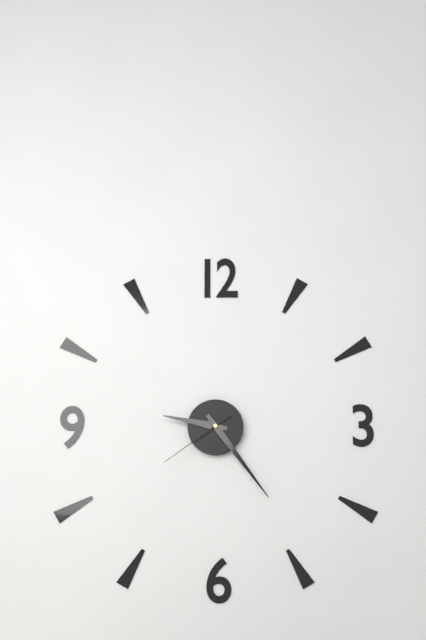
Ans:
h=9 m=24 s=39
